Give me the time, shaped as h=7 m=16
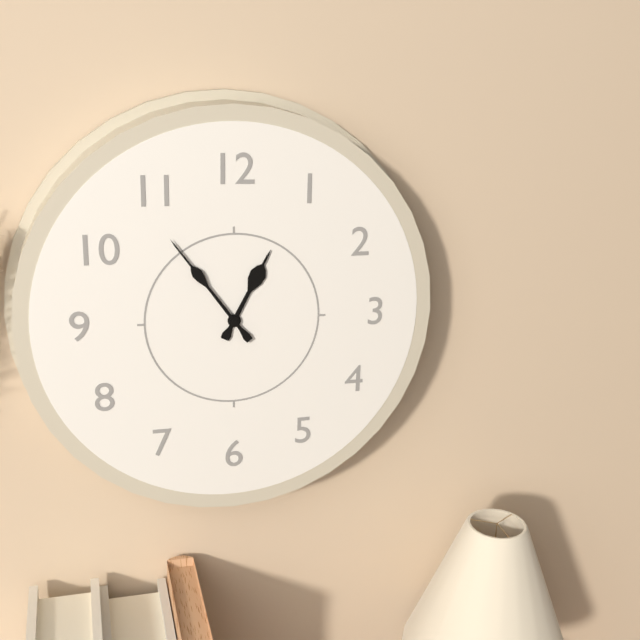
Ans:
h=12 m=54
